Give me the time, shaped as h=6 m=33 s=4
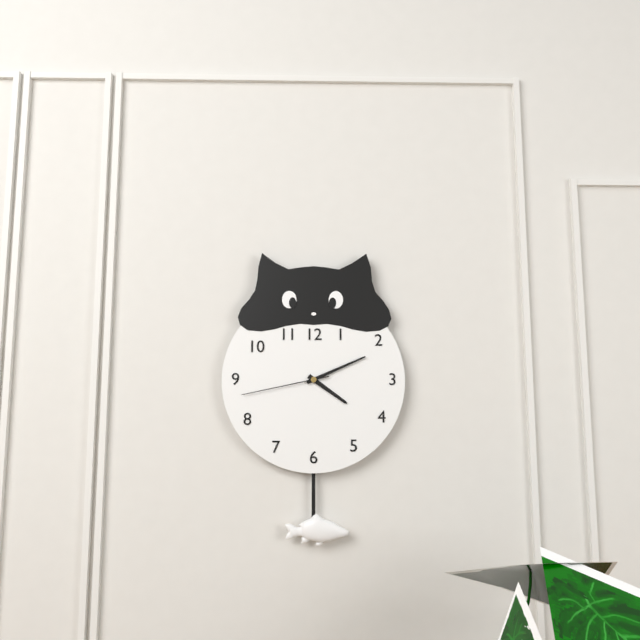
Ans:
h=4 m=11 s=43
